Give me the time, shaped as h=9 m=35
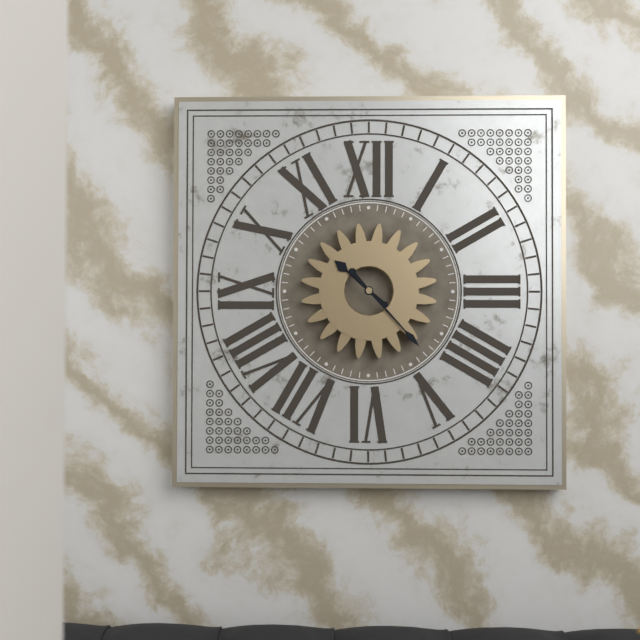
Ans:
h=10 m=23
